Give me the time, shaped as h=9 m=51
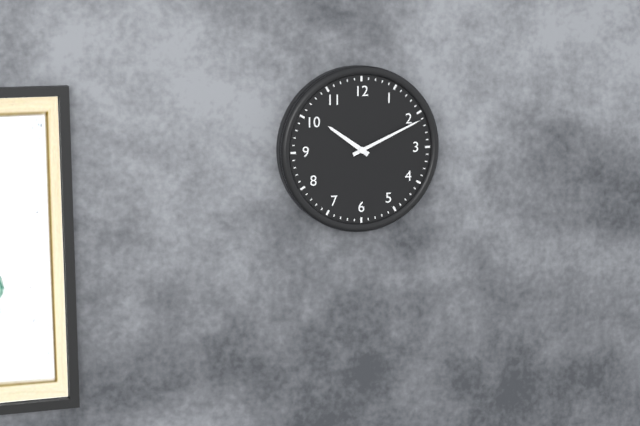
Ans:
h=10 m=11
